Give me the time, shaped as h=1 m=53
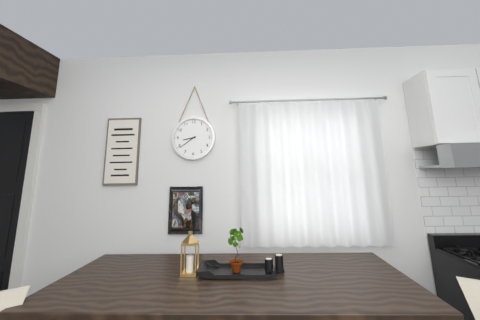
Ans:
h=8 m=39
